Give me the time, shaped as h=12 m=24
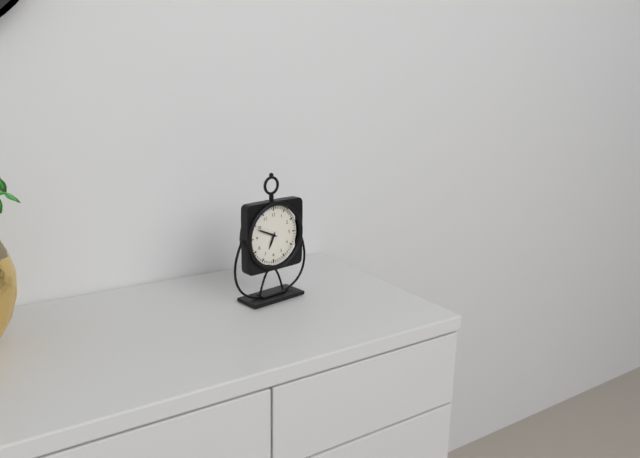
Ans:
h=6 m=49
